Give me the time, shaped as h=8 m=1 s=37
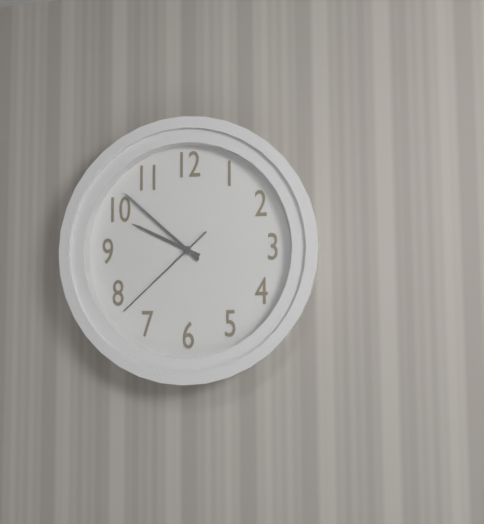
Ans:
h=9 m=52 s=38
